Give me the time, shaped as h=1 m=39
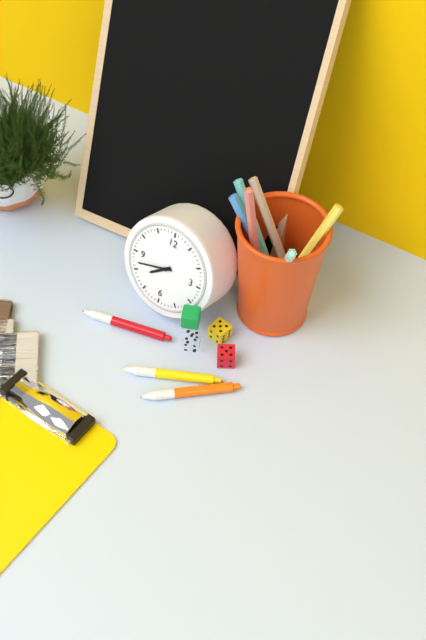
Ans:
h=7 m=42
